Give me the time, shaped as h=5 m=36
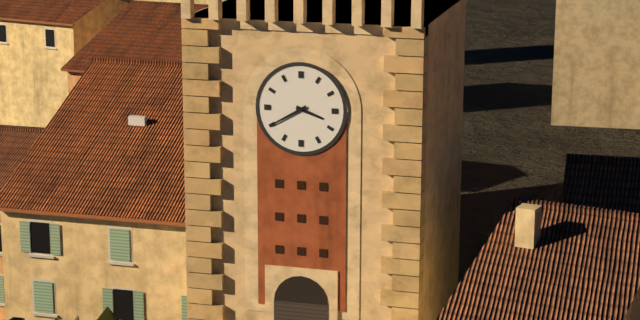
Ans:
h=3 m=40
